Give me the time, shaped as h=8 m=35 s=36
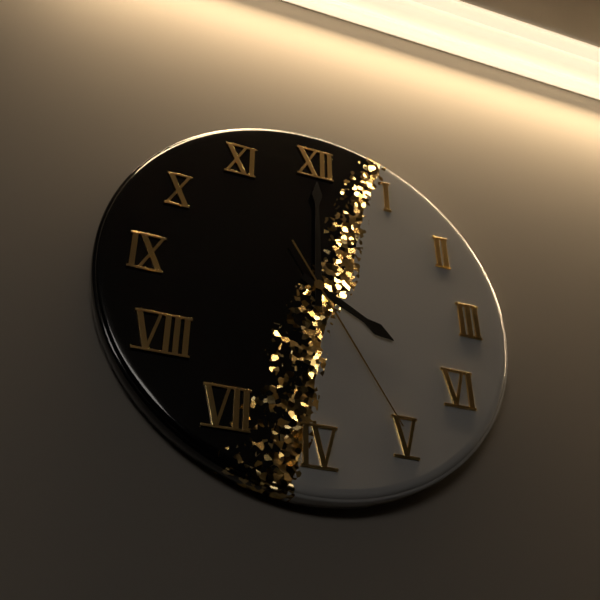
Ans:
h=4 m=0 s=25
